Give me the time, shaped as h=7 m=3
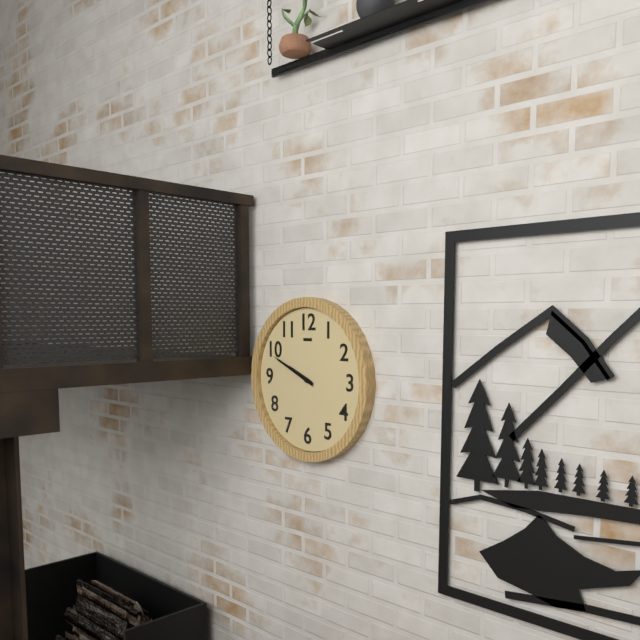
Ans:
h=9 m=49
